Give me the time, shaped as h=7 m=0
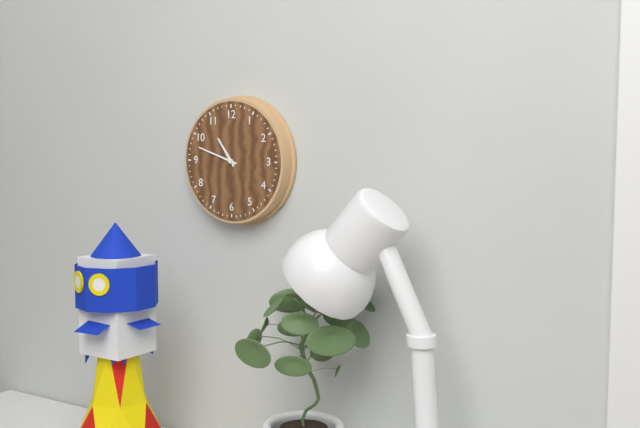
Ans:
h=10 m=48
